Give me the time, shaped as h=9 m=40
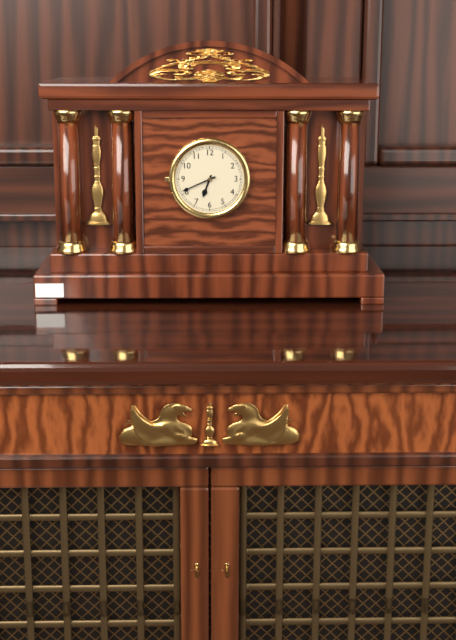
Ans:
h=6 m=41
